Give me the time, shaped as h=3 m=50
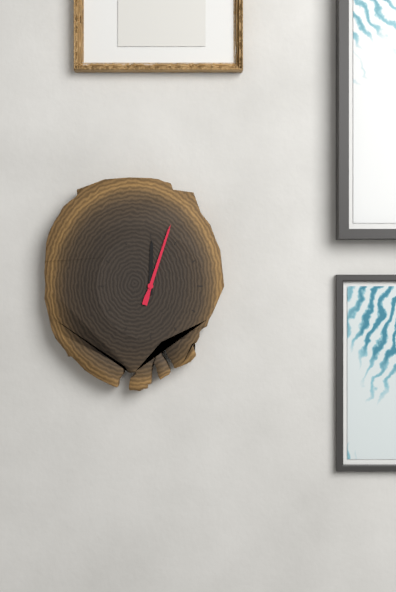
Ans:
h=12 m=3
